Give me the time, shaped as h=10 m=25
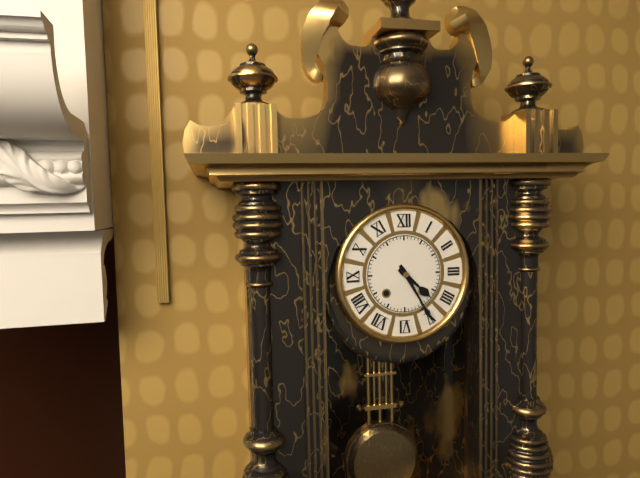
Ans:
h=4 m=25
